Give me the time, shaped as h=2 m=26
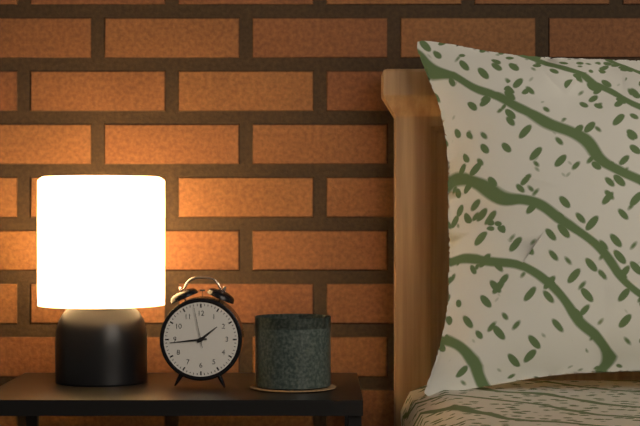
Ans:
h=1 m=44
